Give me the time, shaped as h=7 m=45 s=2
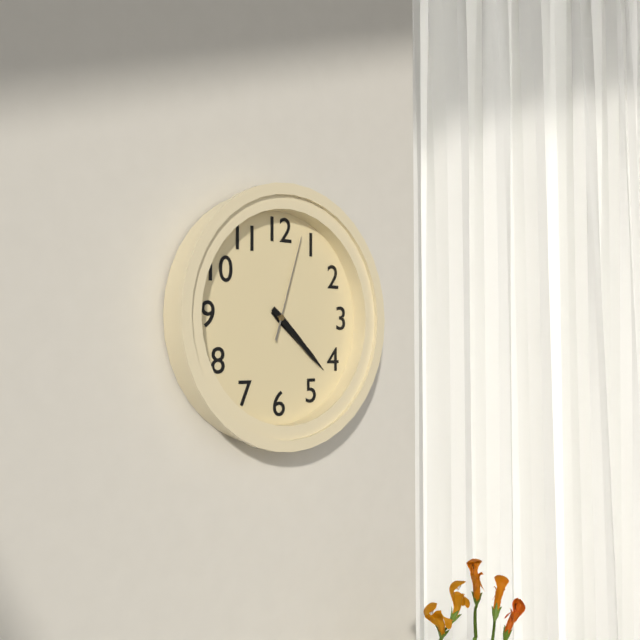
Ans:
h=4 m=22 s=3
